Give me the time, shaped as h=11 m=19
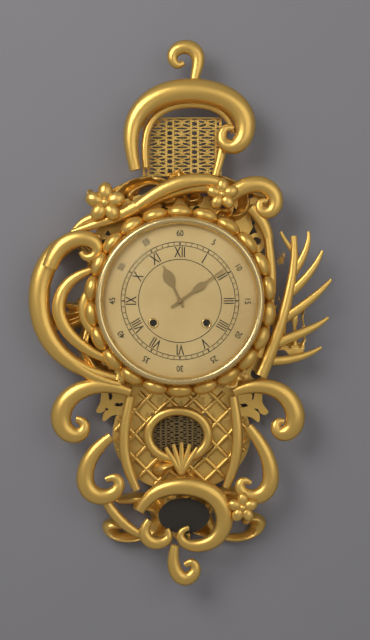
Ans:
h=11 m=9
